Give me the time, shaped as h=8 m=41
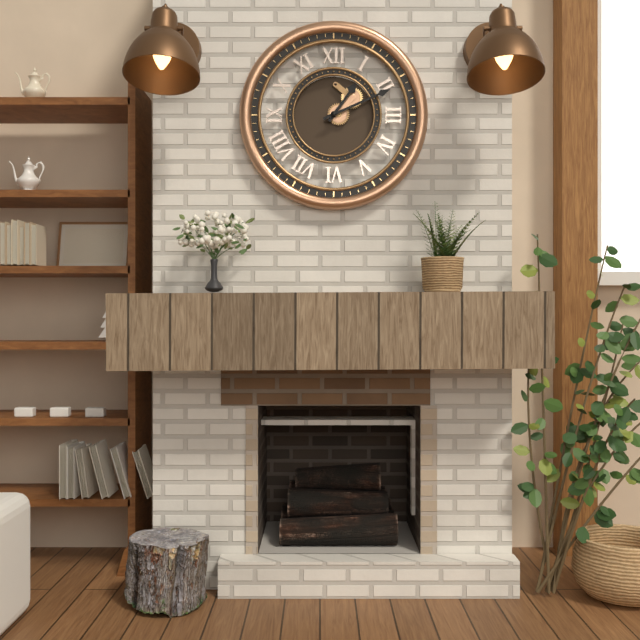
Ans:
h=1 m=11
